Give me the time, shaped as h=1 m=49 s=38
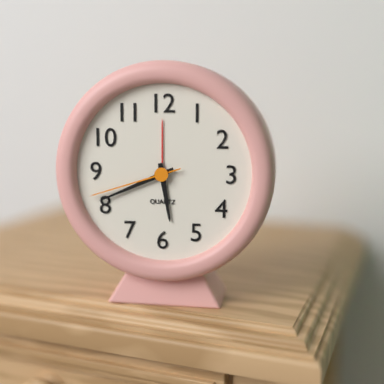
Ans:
h=5 m=41 s=42
